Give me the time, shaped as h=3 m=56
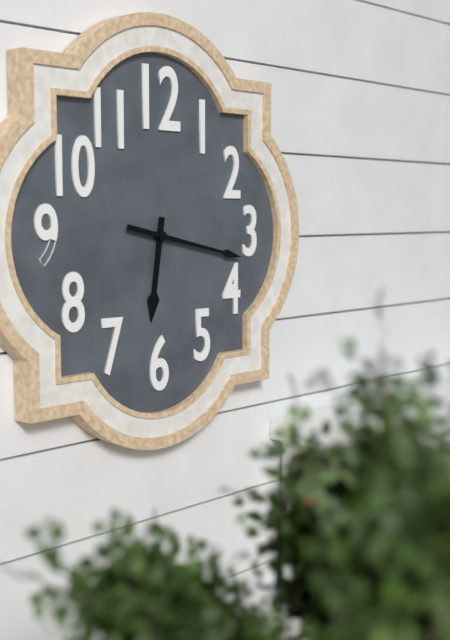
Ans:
h=6 m=17
